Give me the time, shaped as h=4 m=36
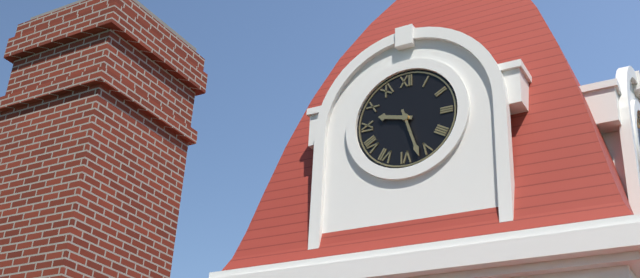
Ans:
h=9 m=27
